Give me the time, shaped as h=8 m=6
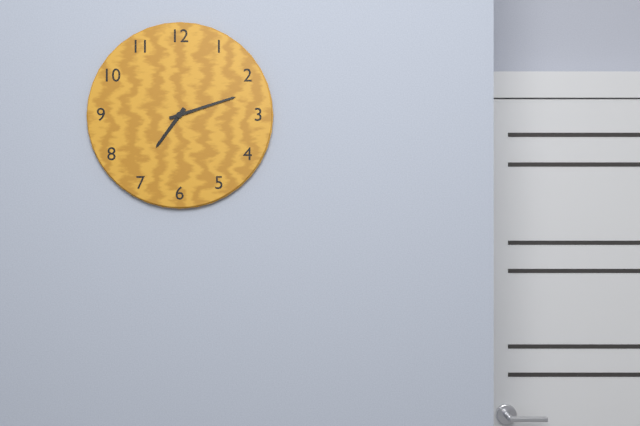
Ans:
h=7 m=12
